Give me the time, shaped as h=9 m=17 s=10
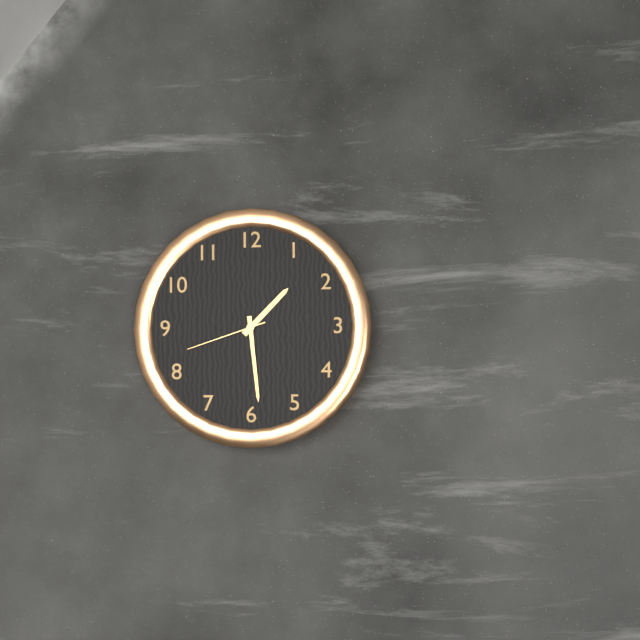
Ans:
h=1 m=29 s=42
